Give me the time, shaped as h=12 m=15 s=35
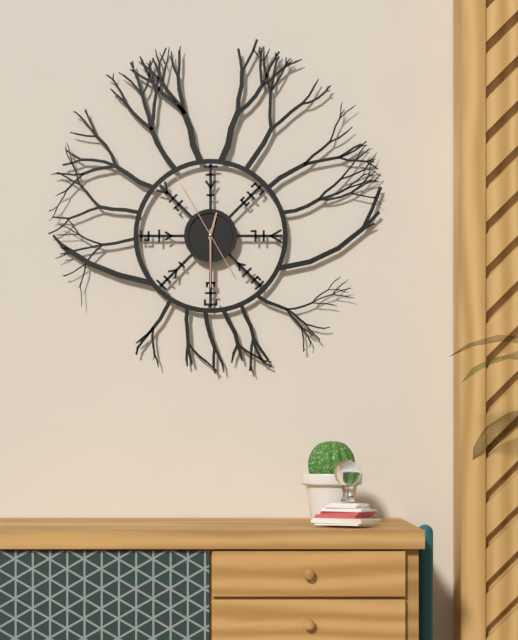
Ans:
h=12 m=30 s=55
